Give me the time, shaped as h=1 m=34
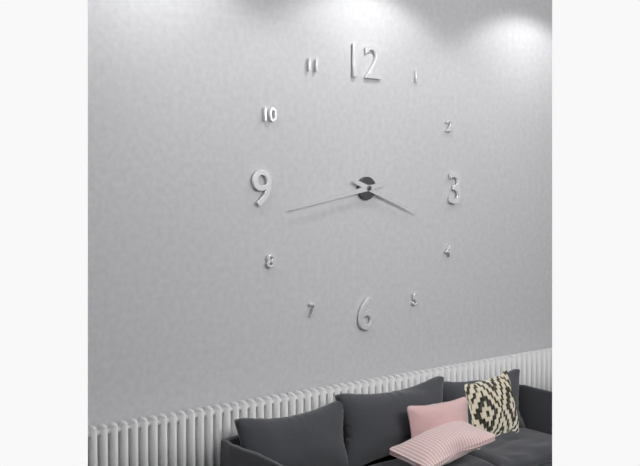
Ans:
h=3 m=43
